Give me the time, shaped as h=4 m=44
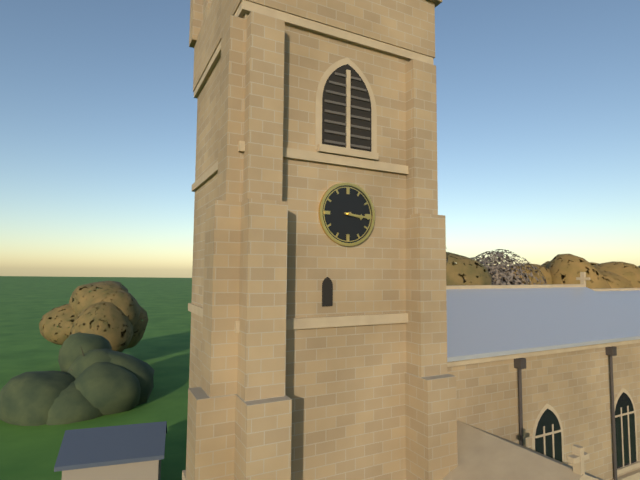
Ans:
h=3 m=16
